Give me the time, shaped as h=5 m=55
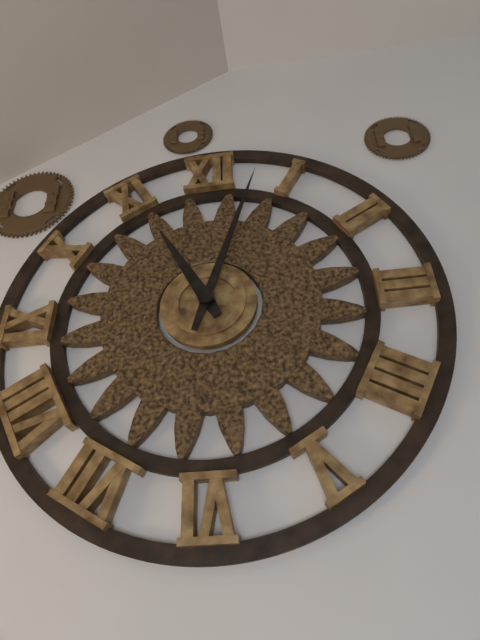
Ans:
h=11 m=3
